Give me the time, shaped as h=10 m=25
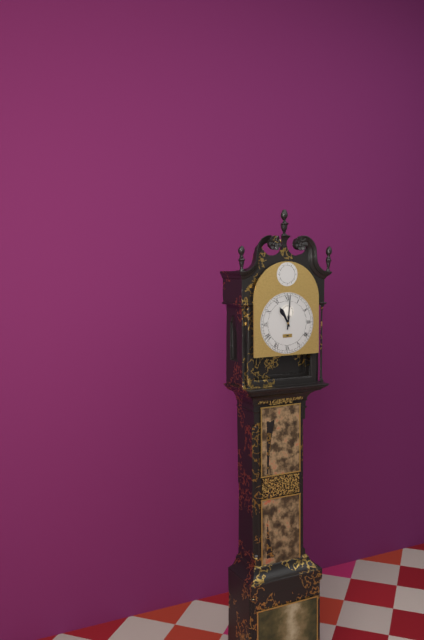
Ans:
h=11 m=1
